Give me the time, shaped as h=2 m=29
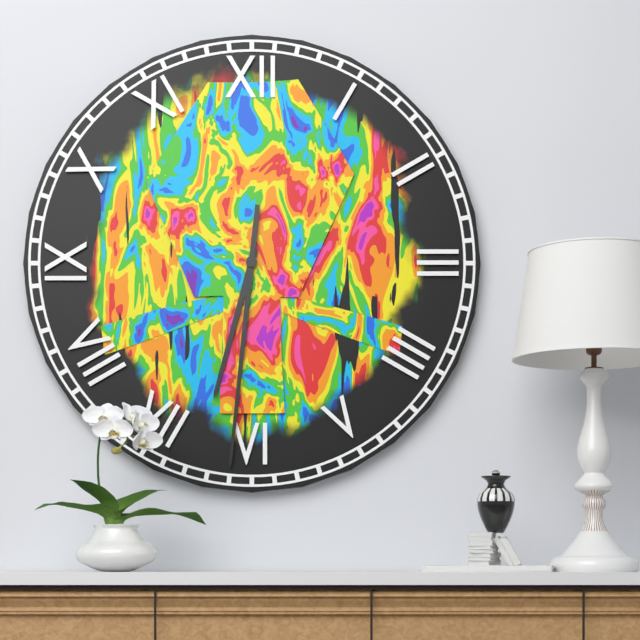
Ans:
h=6 m=31
